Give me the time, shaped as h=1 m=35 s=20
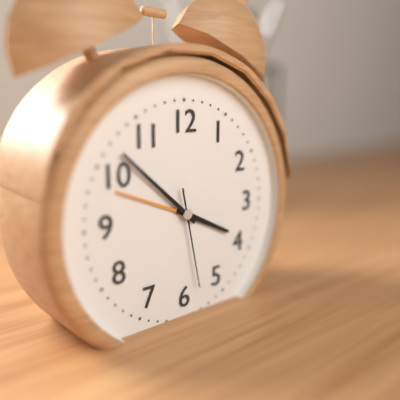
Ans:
h=3 m=52 s=28
